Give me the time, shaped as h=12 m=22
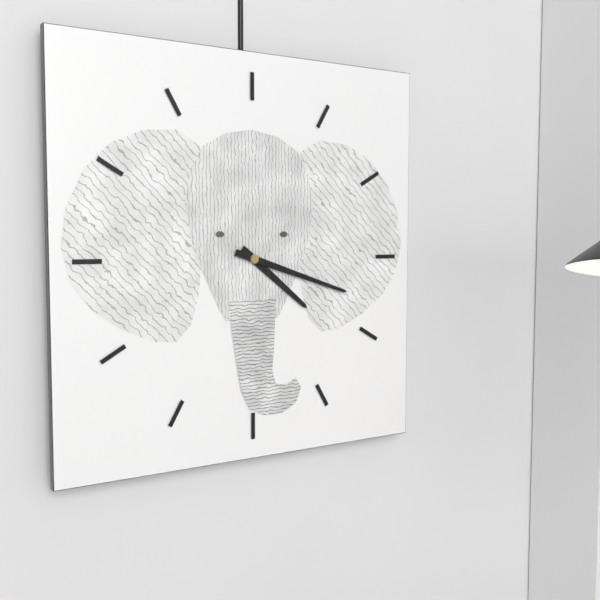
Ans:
h=4 m=18
